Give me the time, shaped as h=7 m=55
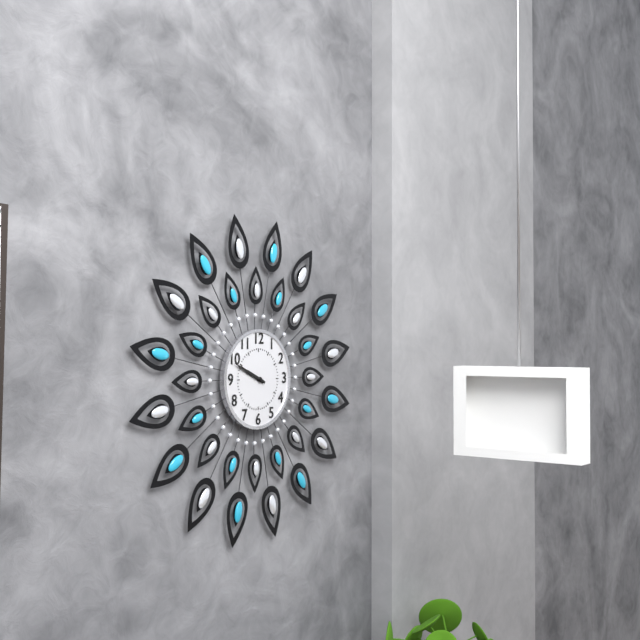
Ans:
h=9 m=49
